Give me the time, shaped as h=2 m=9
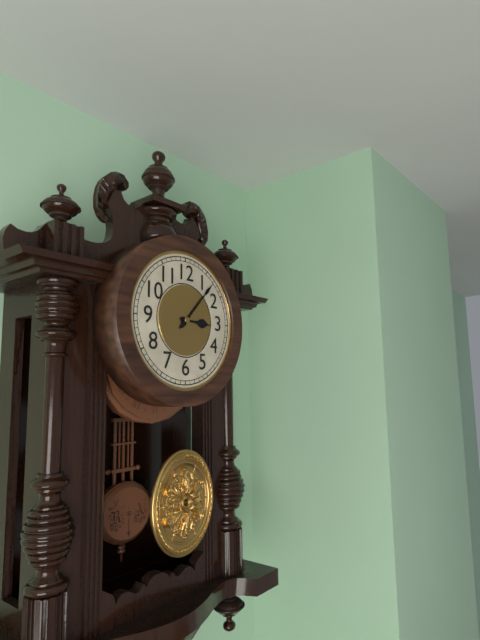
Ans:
h=3 m=7
